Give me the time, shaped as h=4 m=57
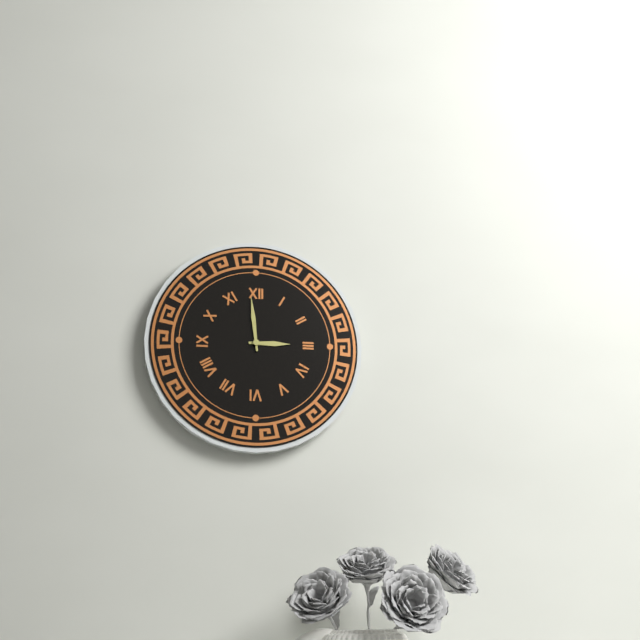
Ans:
h=2 m=59
